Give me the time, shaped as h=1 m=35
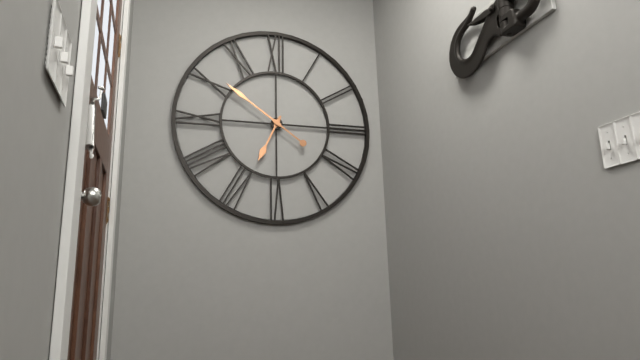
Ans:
h=6 m=51
